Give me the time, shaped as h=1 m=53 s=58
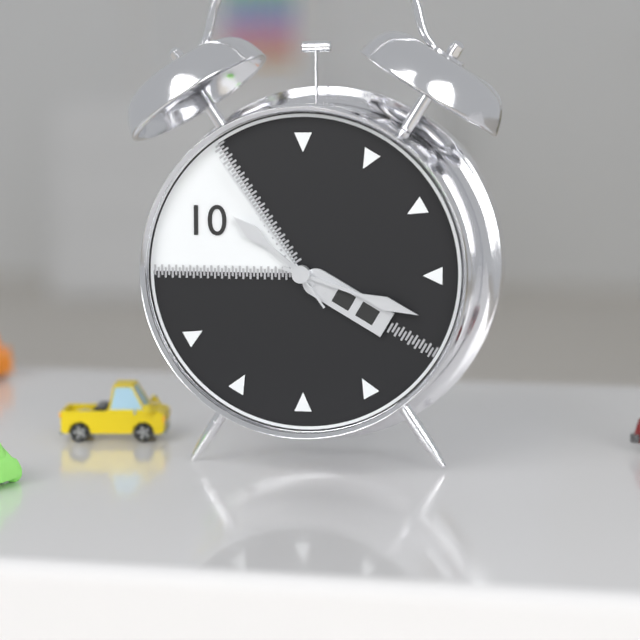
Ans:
h=10 m=18 s=54
